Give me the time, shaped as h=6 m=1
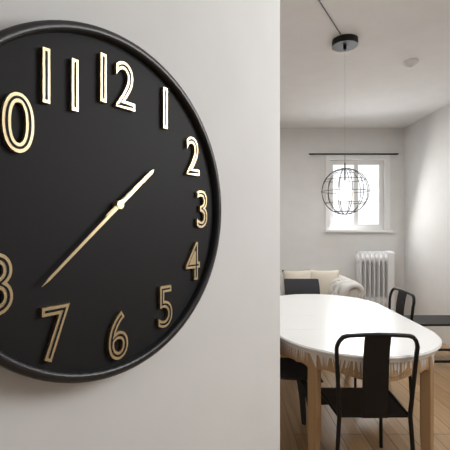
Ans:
h=1 m=38
